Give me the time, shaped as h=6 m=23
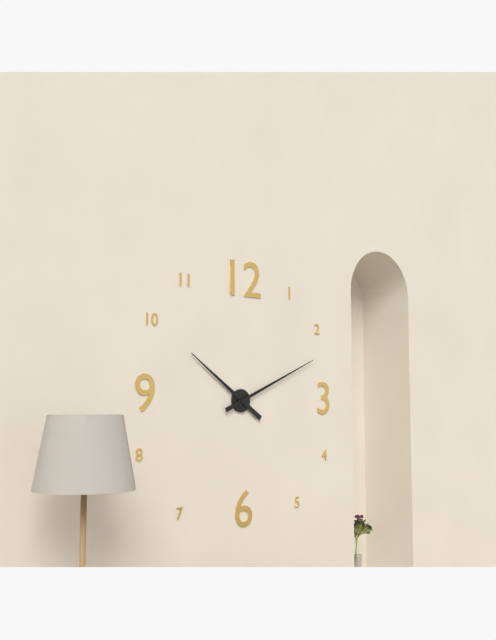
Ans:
h=10 m=11
